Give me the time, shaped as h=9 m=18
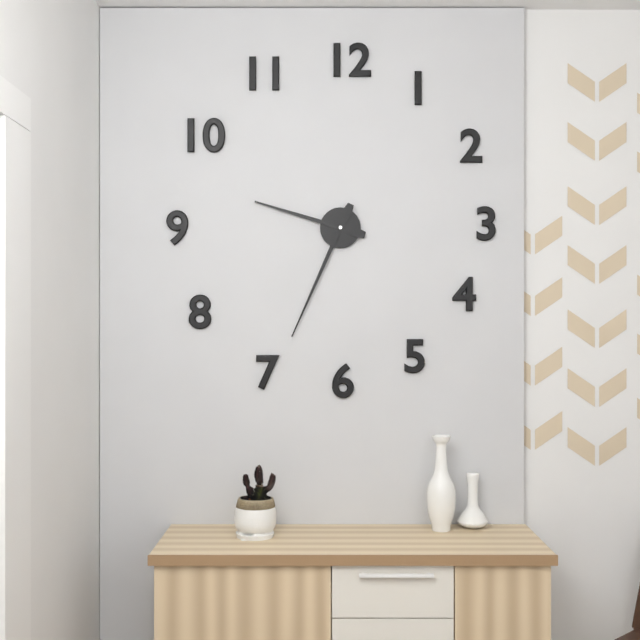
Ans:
h=9 m=34
